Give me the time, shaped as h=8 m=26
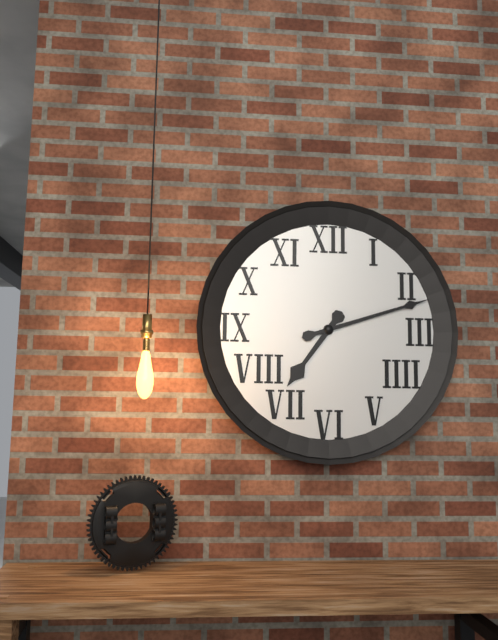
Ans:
h=7 m=12
